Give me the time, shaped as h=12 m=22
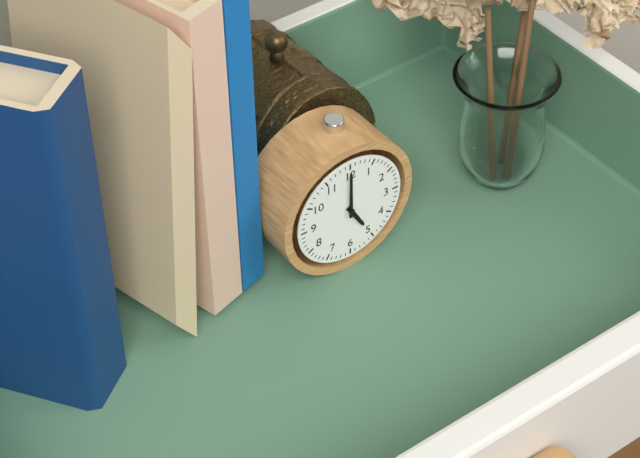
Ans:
h=5 m=0
